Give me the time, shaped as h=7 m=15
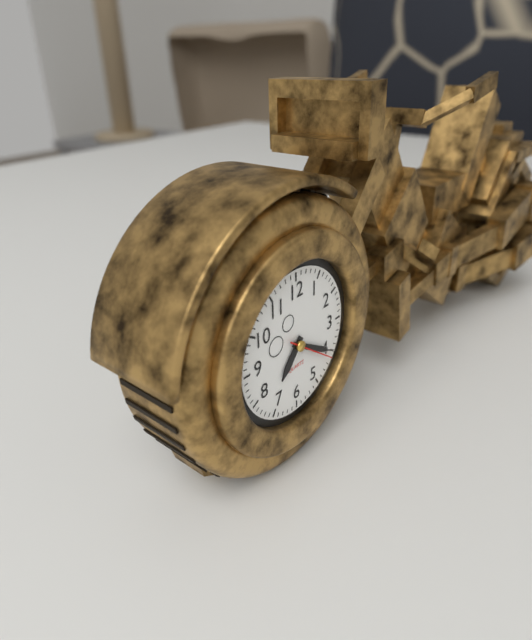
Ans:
h=7 m=20
